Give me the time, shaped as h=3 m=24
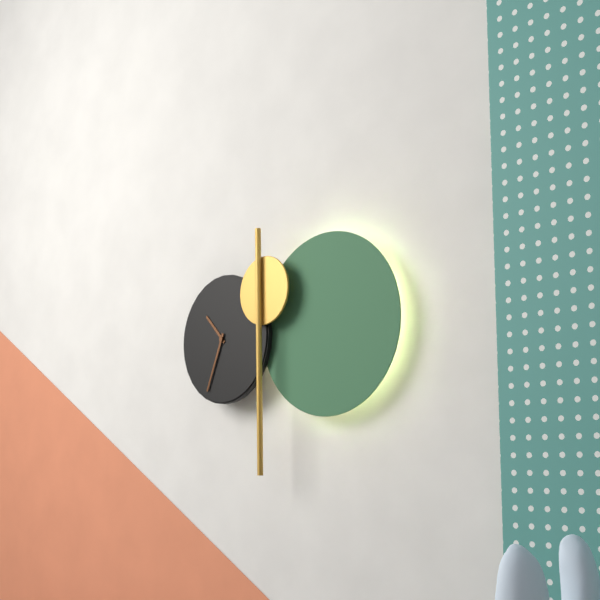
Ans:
h=10 m=34
